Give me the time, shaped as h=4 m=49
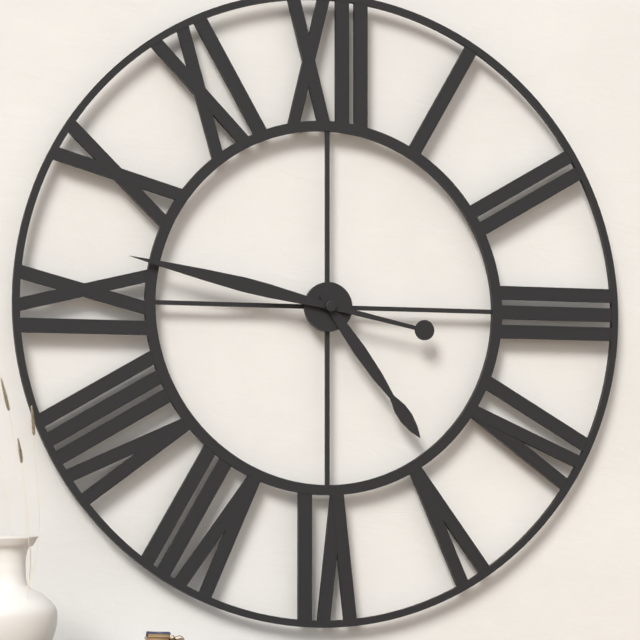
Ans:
h=4 m=47
